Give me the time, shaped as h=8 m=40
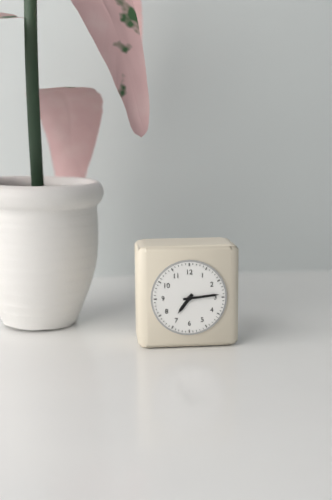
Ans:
h=7 m=14
